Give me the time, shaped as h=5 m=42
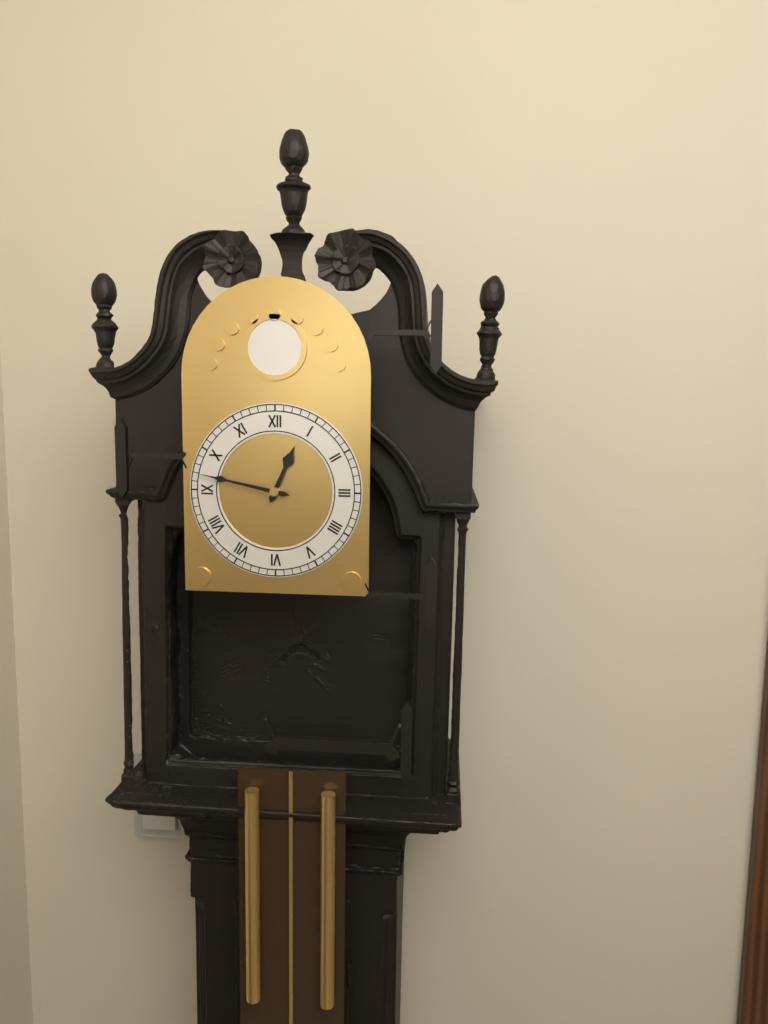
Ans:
h=12 m=47
